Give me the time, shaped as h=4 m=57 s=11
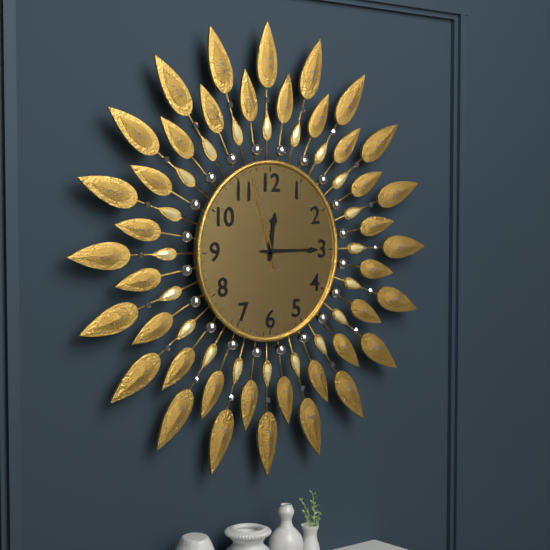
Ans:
h=12 m=15 s=57
